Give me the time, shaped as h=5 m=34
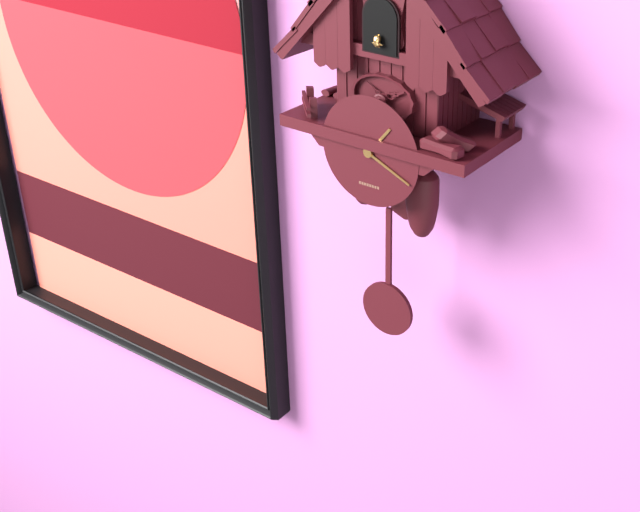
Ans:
h=1 m=19
